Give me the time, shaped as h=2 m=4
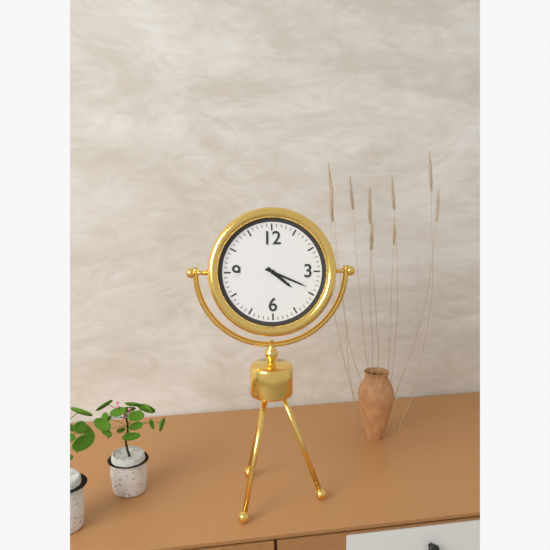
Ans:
h=4 m=19
